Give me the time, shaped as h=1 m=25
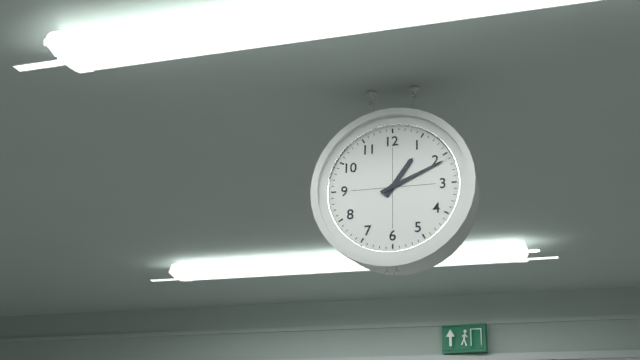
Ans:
h=1 m=11
